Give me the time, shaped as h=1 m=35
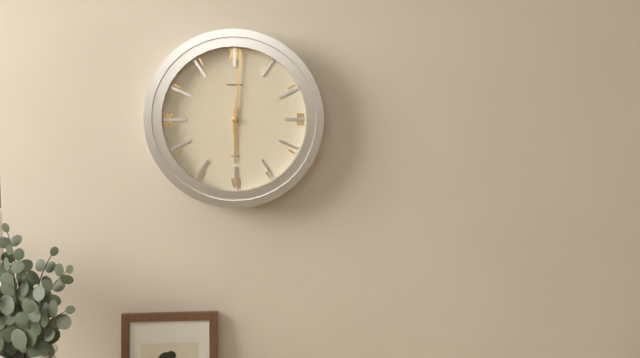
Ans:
h=6 m=1
